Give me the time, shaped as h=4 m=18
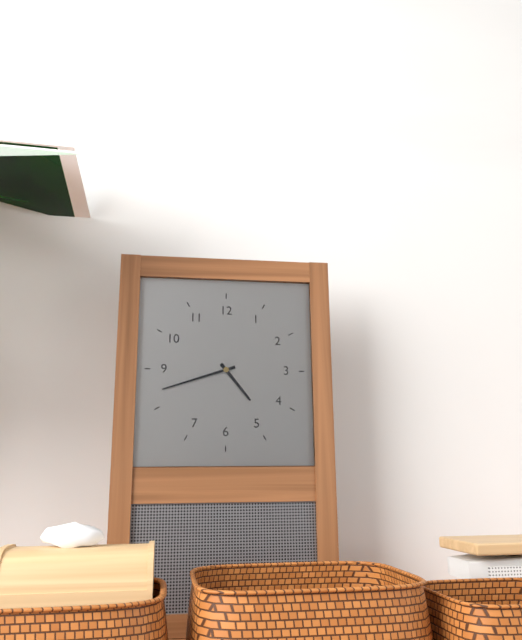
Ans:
h=4 m=42
